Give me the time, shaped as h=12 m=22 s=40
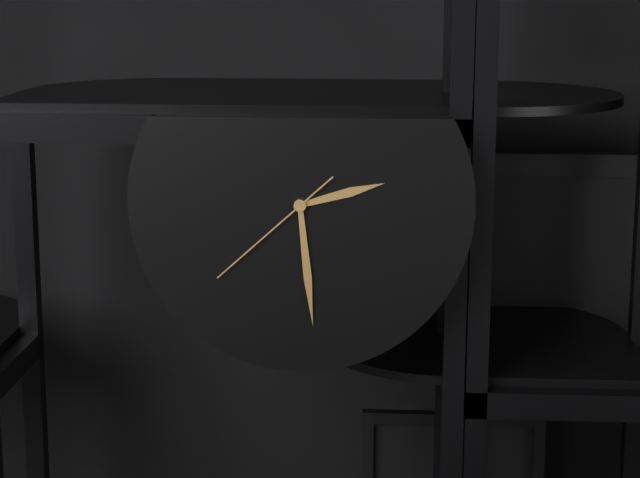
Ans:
h=2 m=29 s=38
